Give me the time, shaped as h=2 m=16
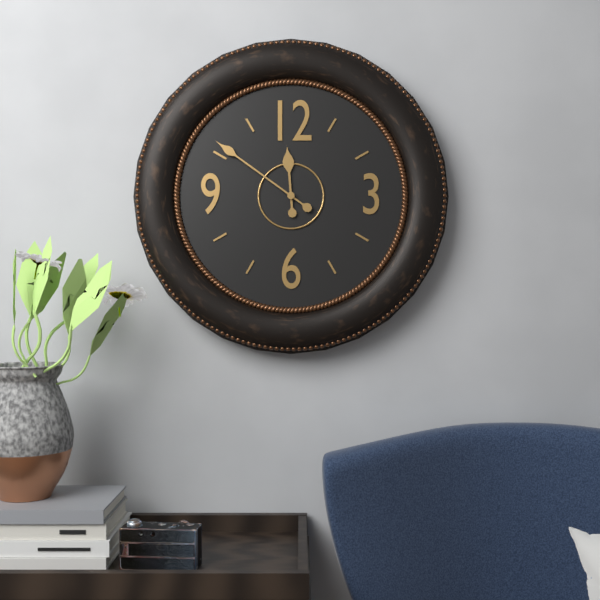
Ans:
h=11 m=51
